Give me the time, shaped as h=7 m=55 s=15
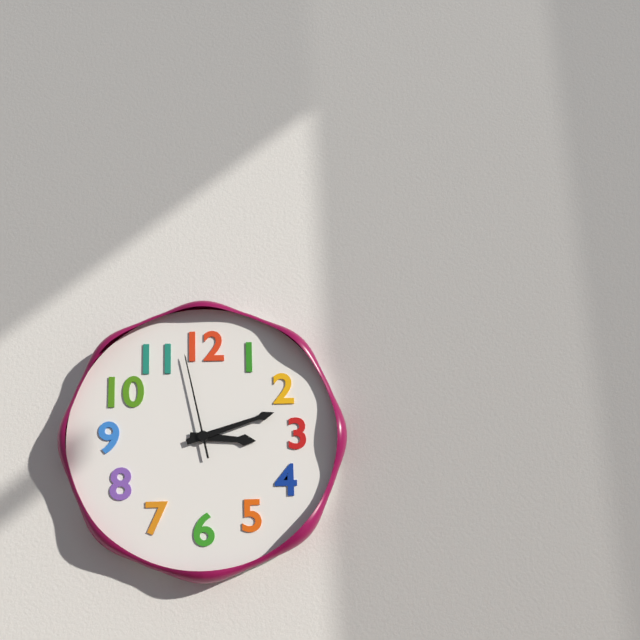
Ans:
h=3 m=12 s=58
